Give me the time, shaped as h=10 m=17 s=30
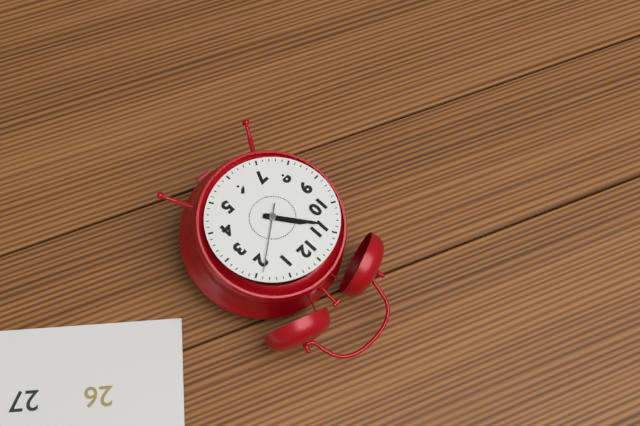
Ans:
h=10 m=54 s=9
